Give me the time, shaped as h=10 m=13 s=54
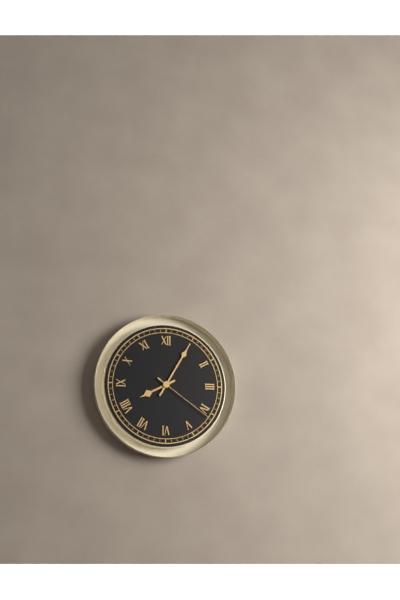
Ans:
h=8 m=5 s=21
